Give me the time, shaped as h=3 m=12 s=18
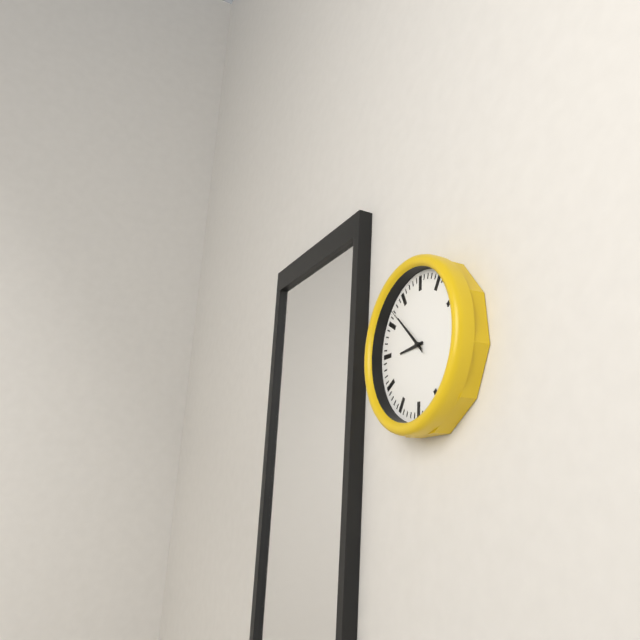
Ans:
h=8 m=52 s=52
